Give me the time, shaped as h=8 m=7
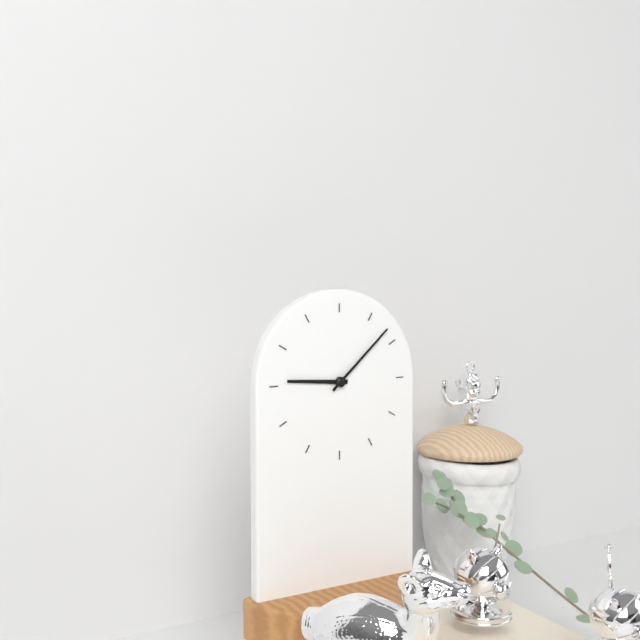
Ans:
h=9 m=8
